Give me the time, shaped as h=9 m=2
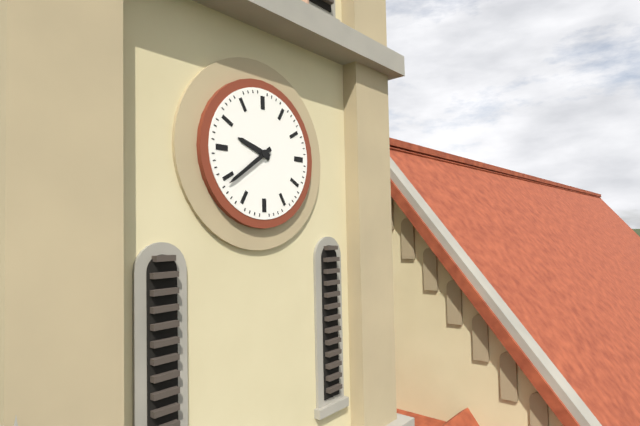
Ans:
h=9 m=39
